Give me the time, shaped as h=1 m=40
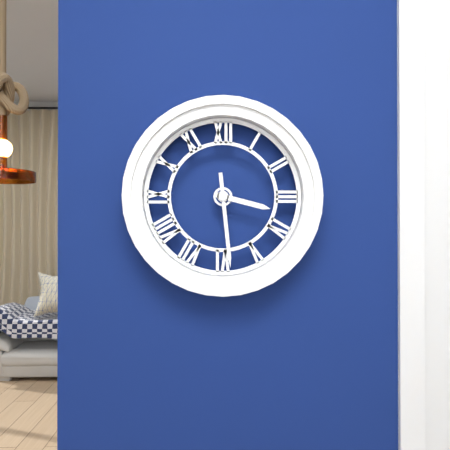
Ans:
h=3 m=29
